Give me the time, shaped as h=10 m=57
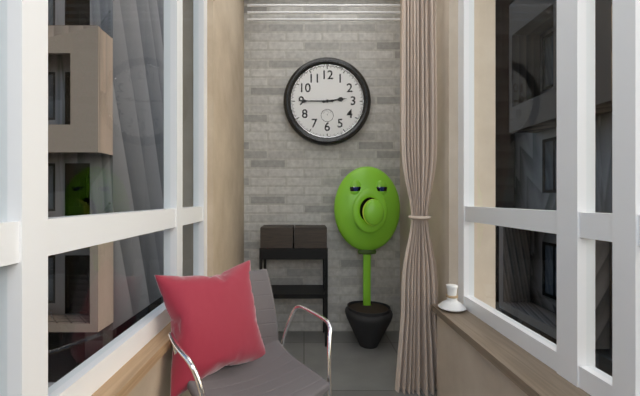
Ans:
h=2 m=45
